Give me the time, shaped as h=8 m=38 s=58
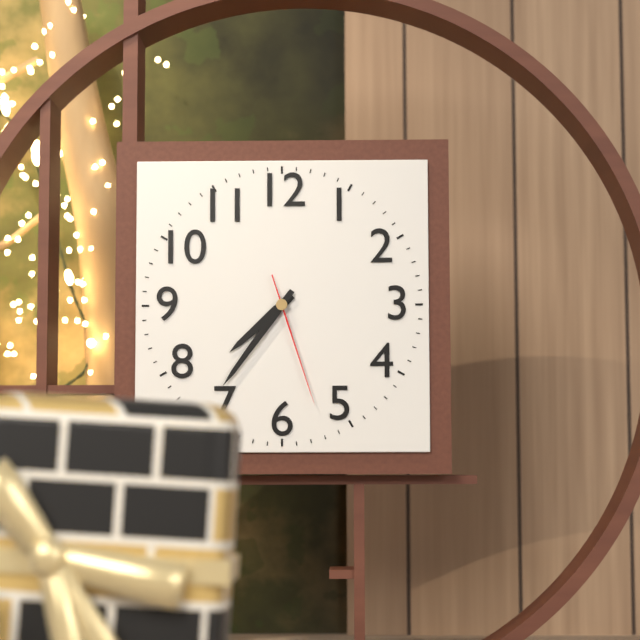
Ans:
h=7 m=36 s=27
